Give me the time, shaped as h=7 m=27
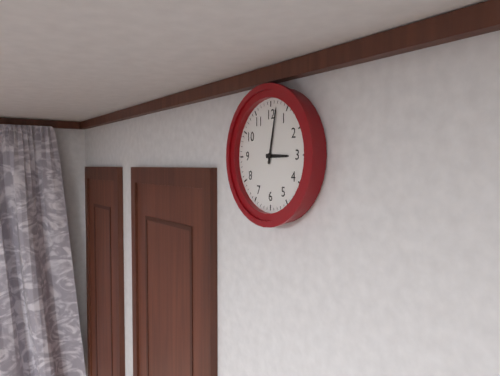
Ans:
h=3 m=2
